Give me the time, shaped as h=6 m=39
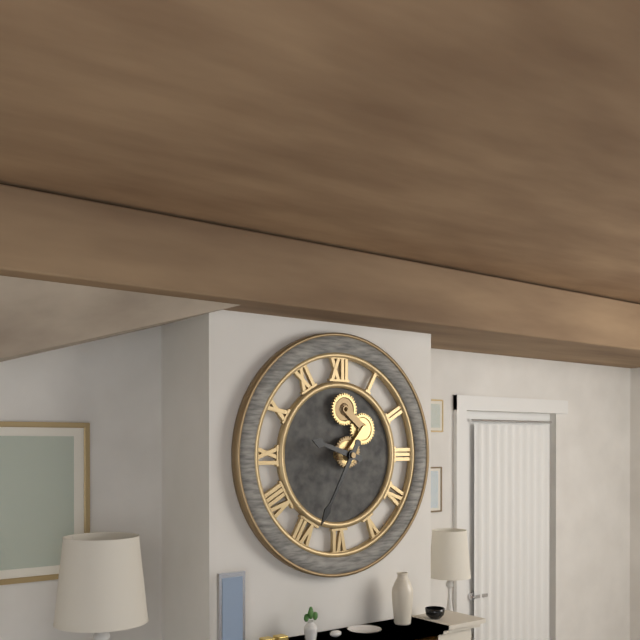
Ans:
h=9 m=35
